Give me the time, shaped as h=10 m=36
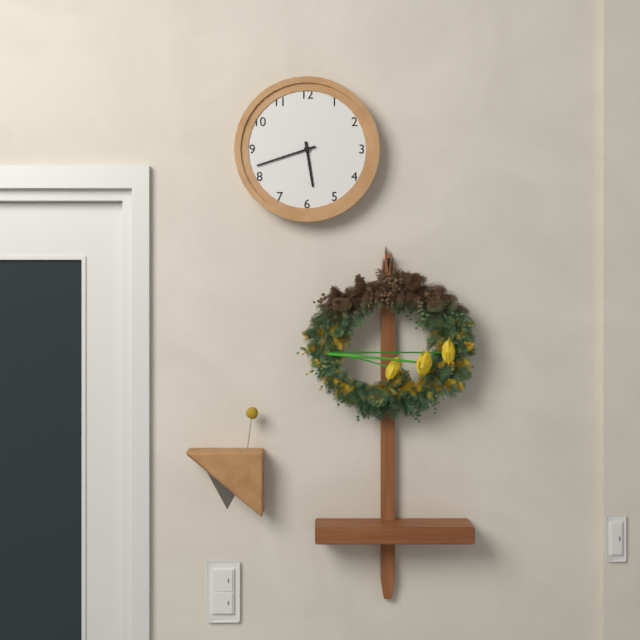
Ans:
h=5 m=42
